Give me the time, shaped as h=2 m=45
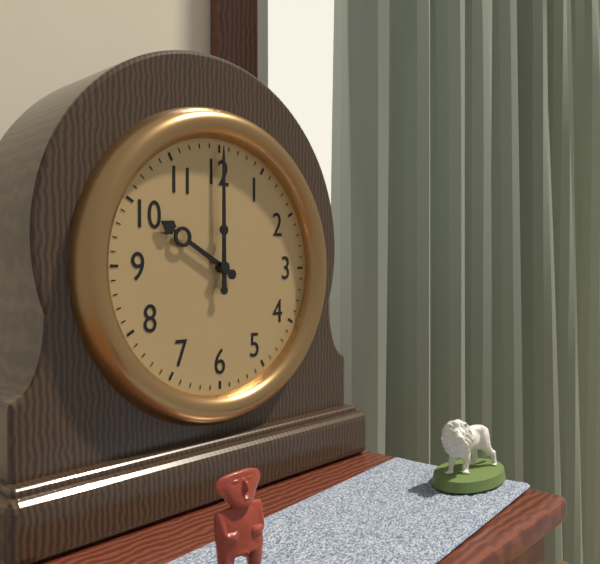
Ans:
h=10 m=0
